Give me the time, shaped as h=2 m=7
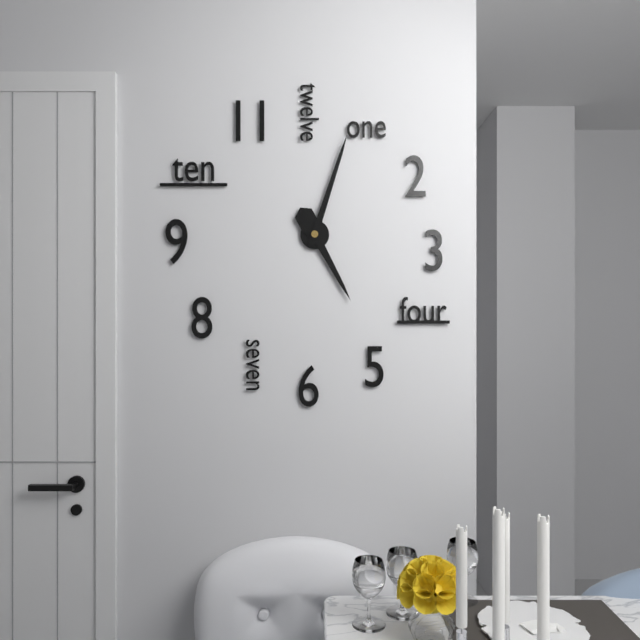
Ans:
h=5 m=3
